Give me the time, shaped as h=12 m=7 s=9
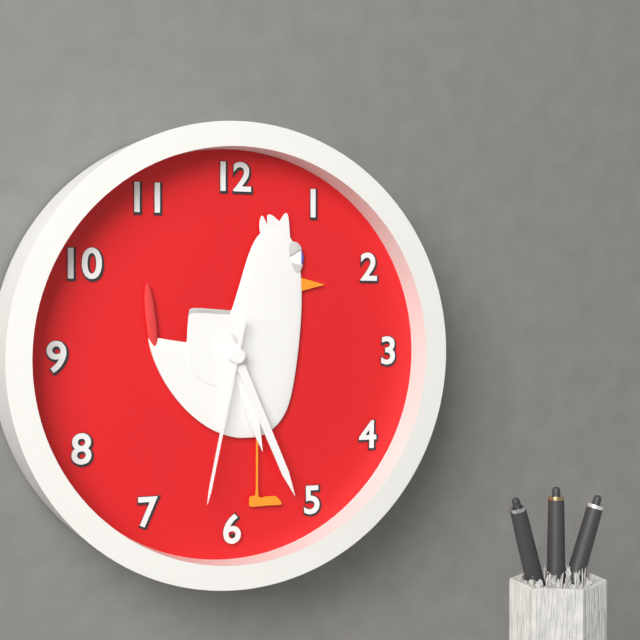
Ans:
h=5 m=26 s=32
